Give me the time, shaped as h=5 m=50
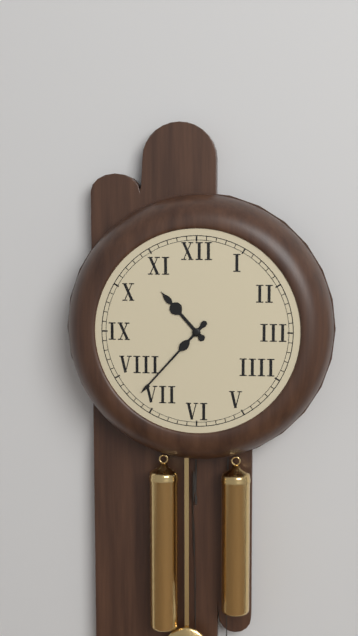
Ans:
h=10 m=37
